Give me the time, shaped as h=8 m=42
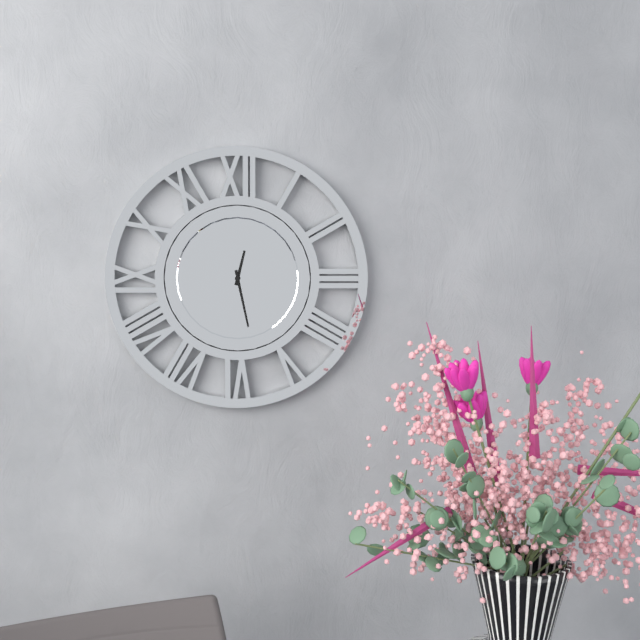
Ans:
h=12 m=28
